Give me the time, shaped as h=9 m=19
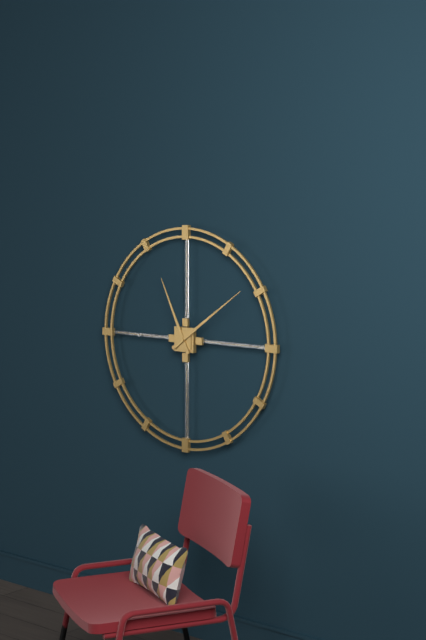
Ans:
h=11 m=9
